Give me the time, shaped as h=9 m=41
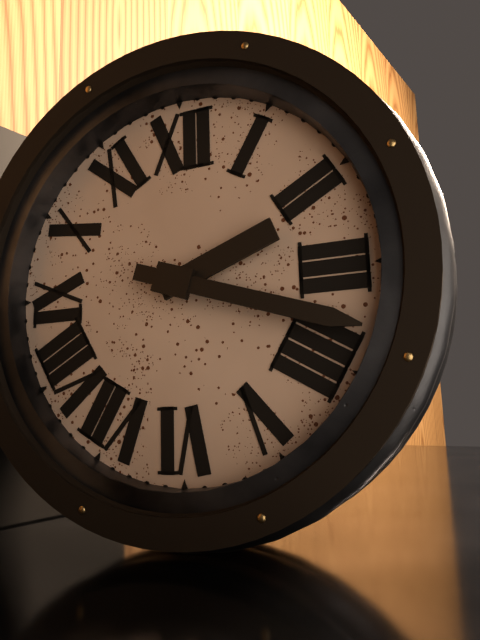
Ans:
h=2 m=18
